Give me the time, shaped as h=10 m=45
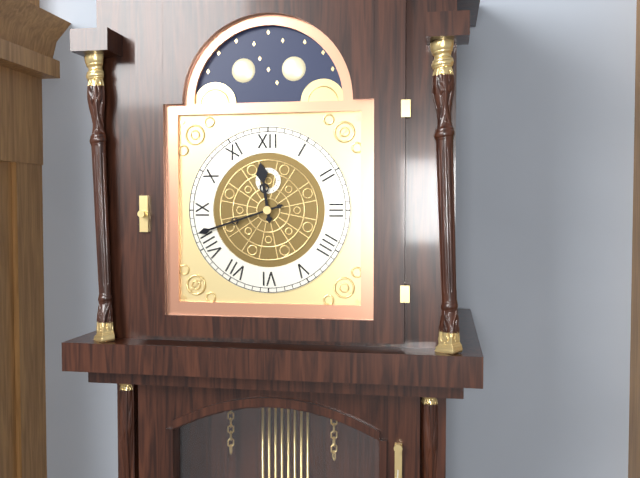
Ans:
h=11 m=42
